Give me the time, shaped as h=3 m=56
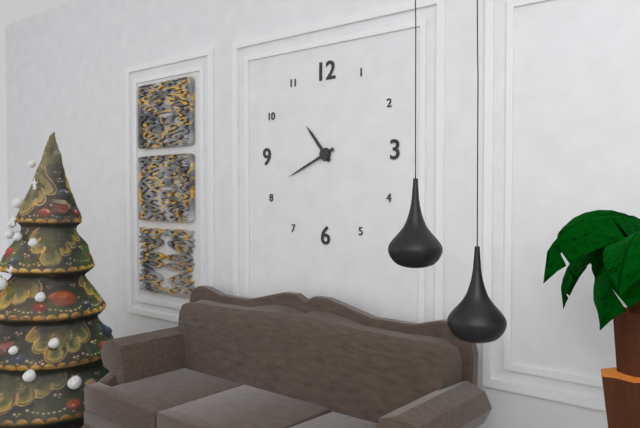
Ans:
h=10 m=41
